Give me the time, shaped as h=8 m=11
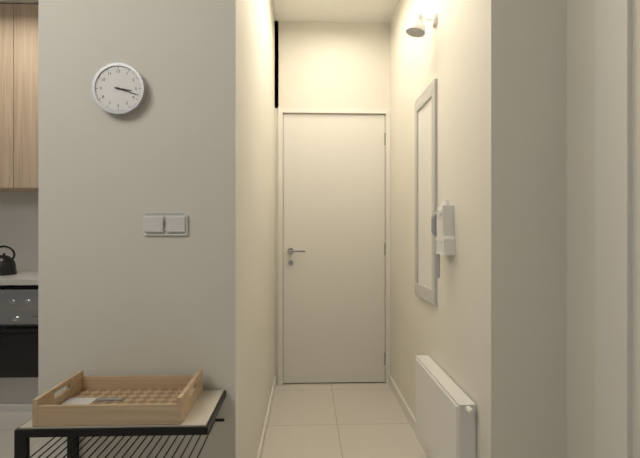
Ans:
h=3 m=18
